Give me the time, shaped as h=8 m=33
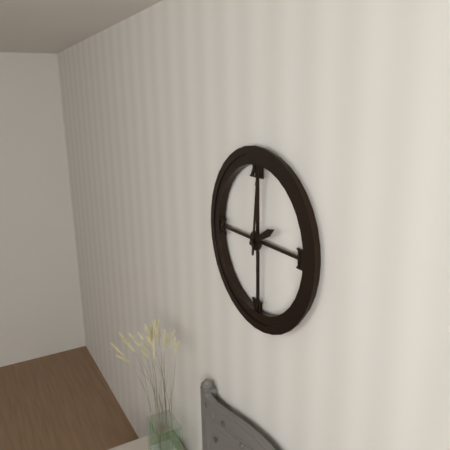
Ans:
h=2 m=1
